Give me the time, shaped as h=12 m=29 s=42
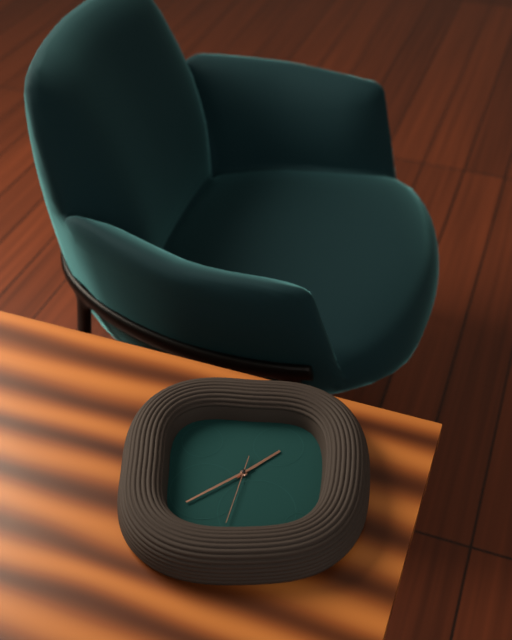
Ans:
h=1 m=39 s=32
